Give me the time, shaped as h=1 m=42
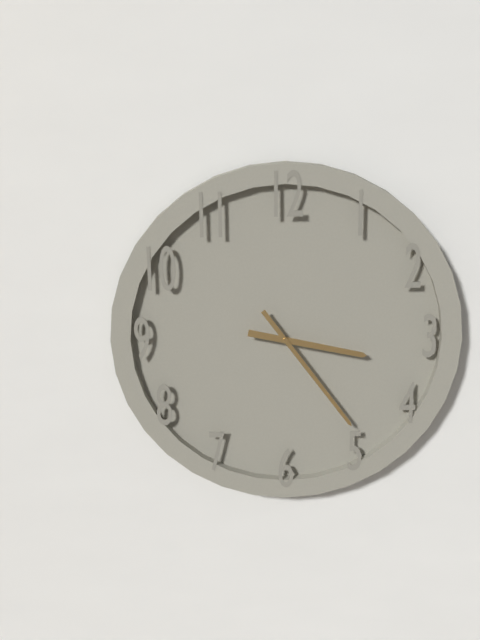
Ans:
h=3 m=24
